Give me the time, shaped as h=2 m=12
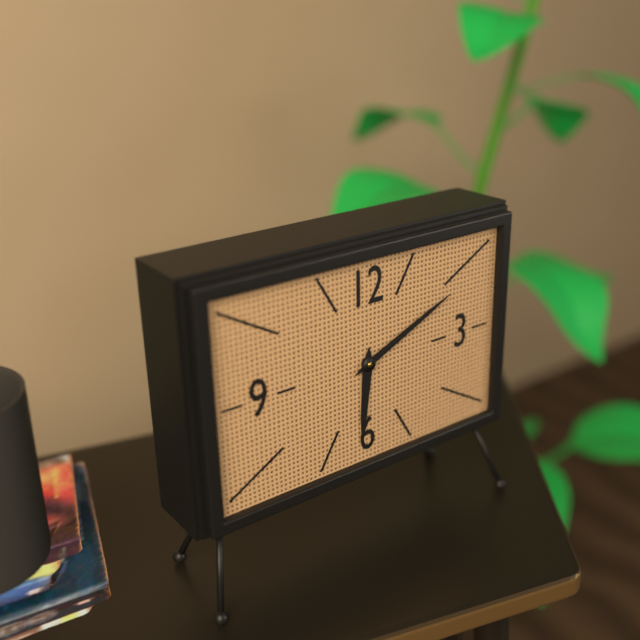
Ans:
h=6 m=11
